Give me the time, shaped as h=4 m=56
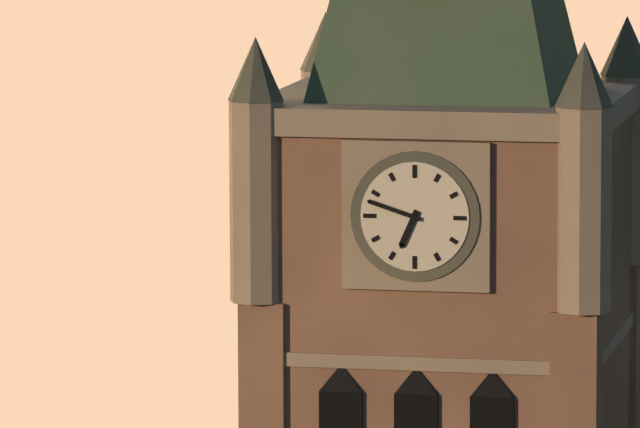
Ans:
h=6 m=48
